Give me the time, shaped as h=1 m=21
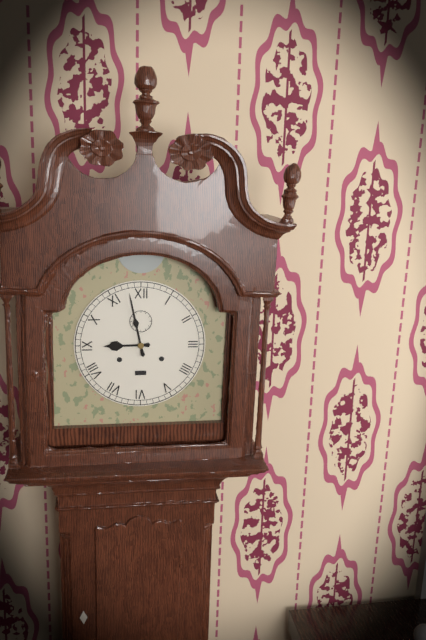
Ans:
h=8 m=58
